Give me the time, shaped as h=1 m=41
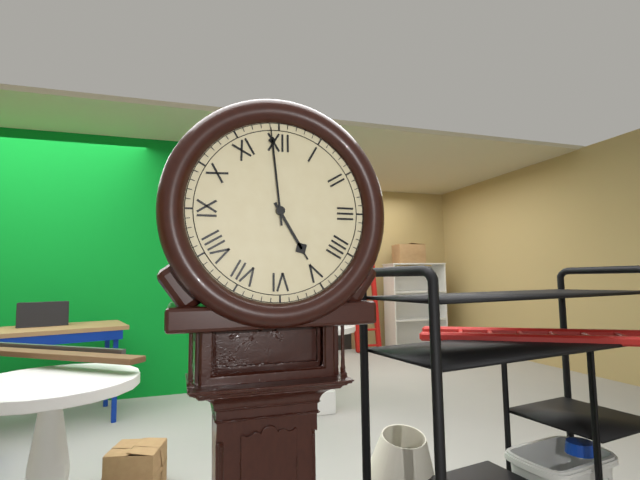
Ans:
h=4 m=59
